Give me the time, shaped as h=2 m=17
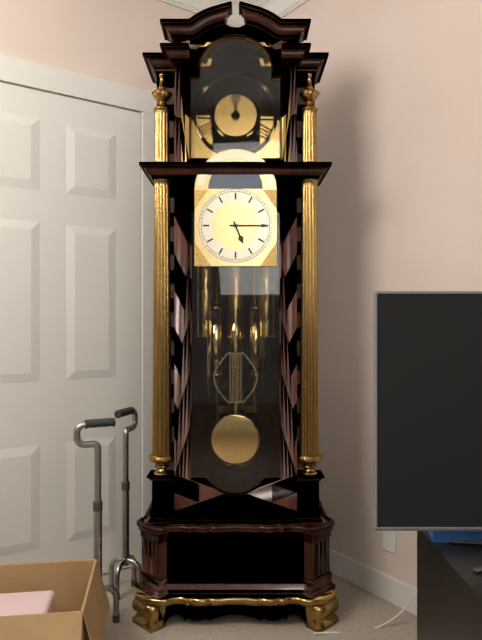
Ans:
h=5 m=15
